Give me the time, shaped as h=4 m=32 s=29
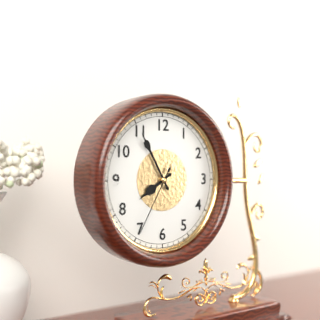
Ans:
h=7 m=55 s=35
